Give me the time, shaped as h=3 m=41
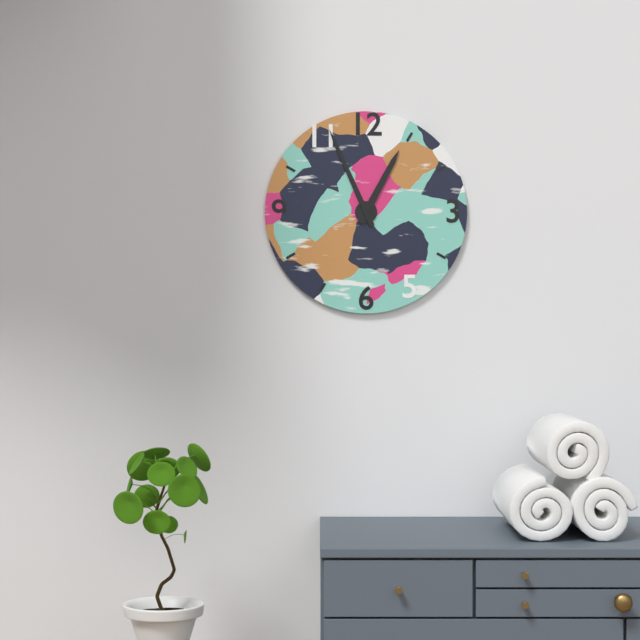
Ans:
h=12 m=56
